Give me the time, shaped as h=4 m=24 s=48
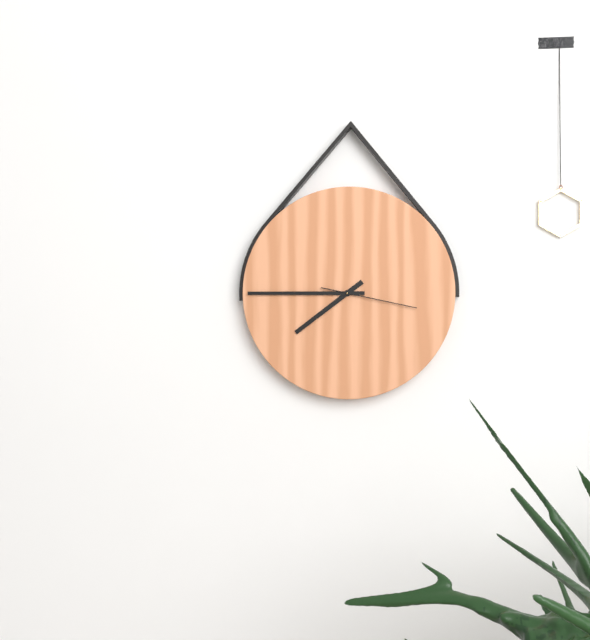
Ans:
h=7 m=45 s=17
